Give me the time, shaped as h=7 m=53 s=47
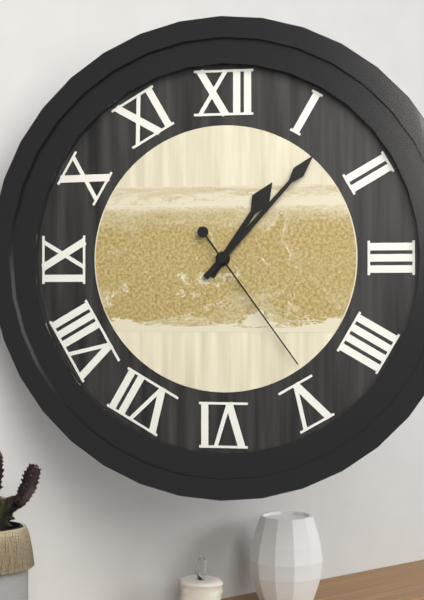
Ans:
h=1 m=7 s=24
